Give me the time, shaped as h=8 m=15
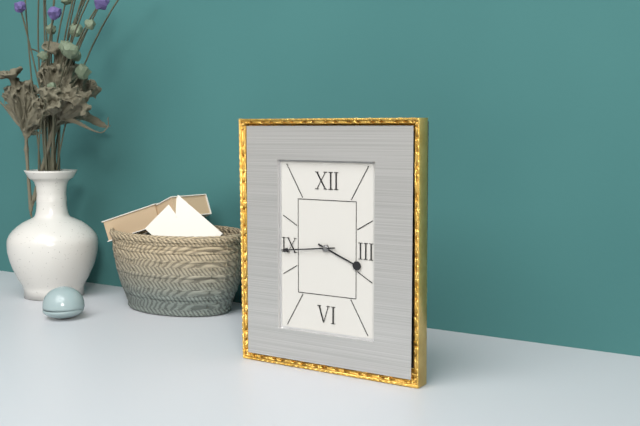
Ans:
h=3 m=44
